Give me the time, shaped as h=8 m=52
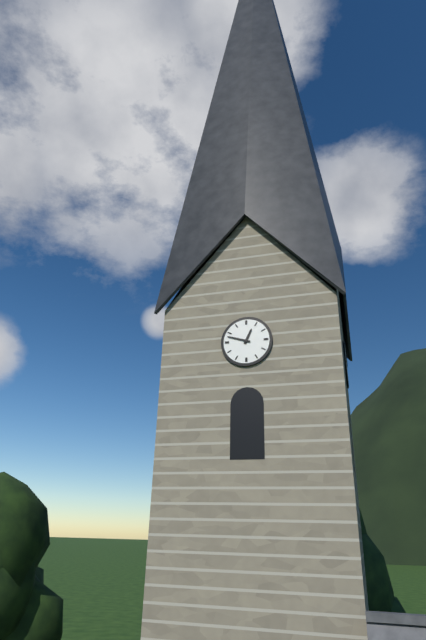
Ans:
h=12 m=48
